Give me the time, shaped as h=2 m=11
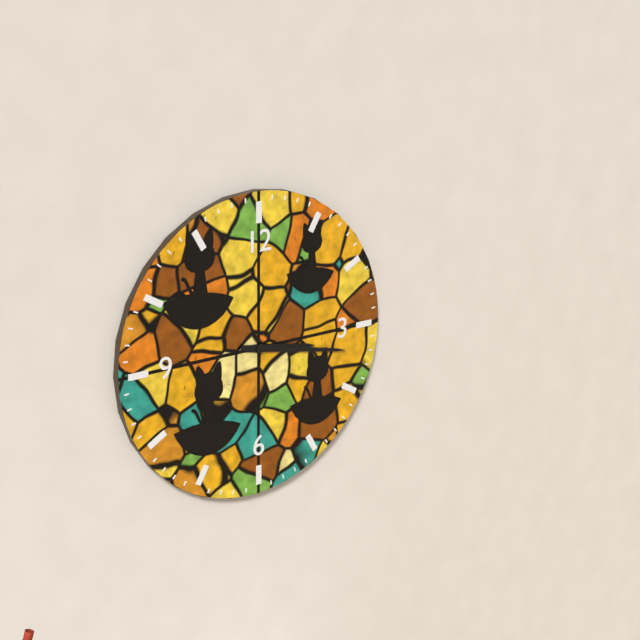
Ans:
h=3 m=17
